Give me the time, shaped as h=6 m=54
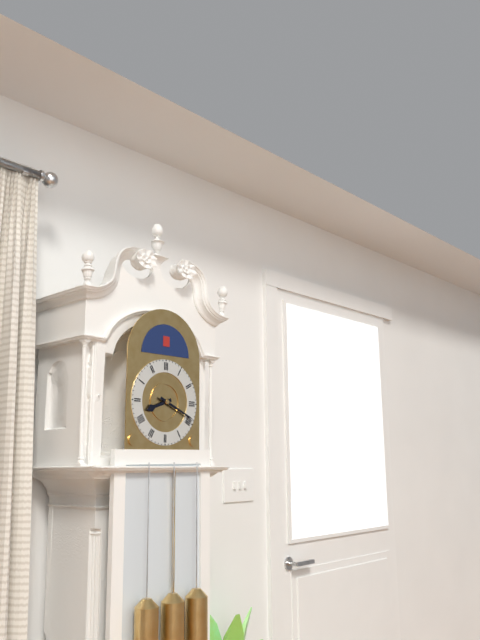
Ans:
h=8 m=19
